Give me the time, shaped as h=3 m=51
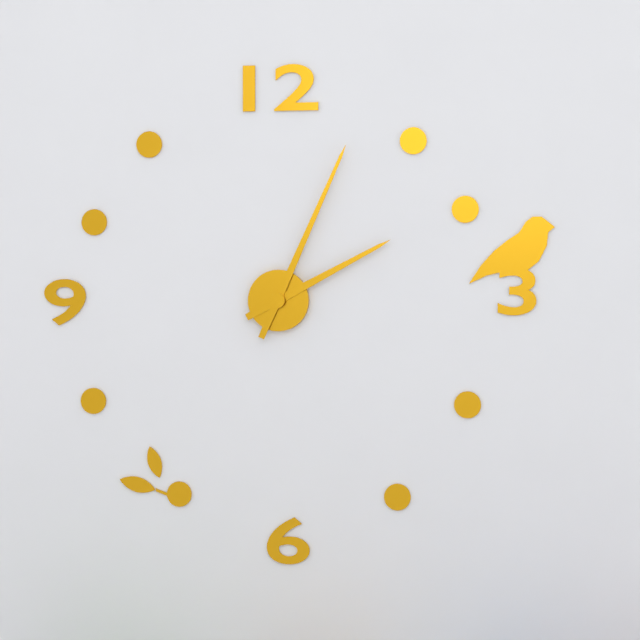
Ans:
h=2 m=4
